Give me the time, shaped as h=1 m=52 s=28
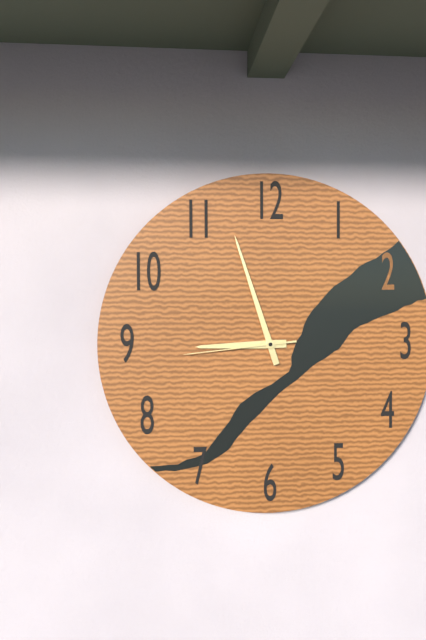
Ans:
h=8 m=57 s=44
